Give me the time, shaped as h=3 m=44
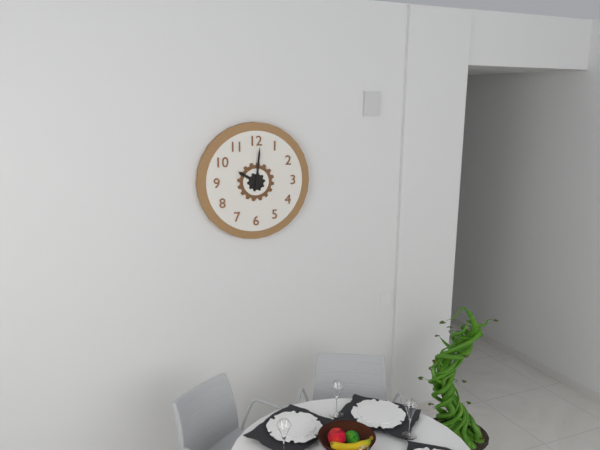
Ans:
h=10 m=1
